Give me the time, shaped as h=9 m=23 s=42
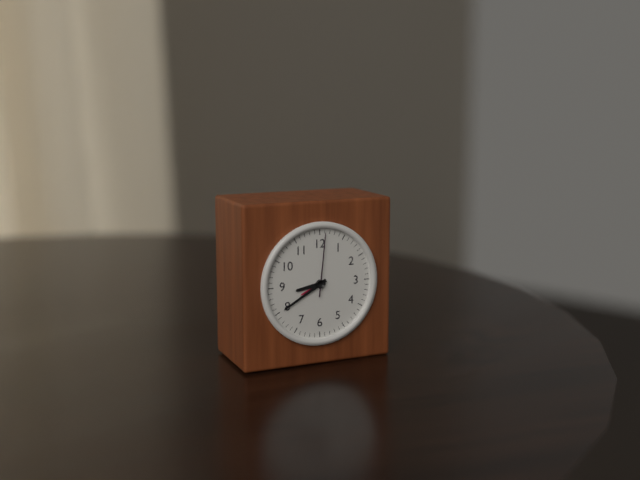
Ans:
h=8 m=40 s=1
